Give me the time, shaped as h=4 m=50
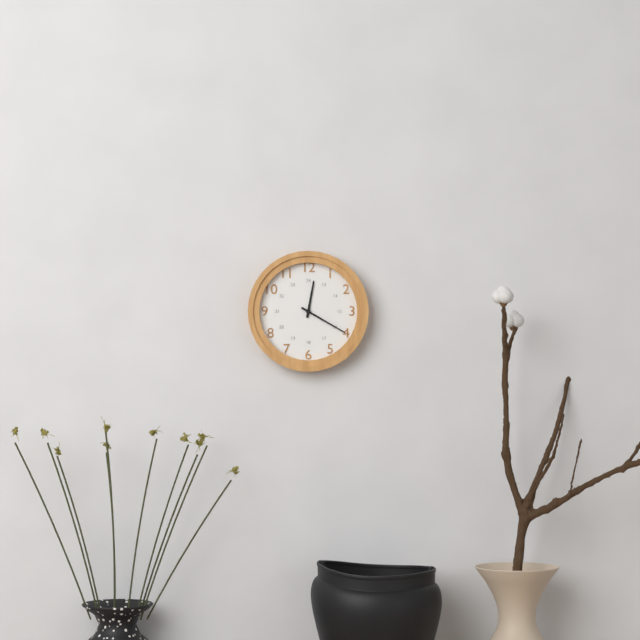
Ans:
h=12 m=20
